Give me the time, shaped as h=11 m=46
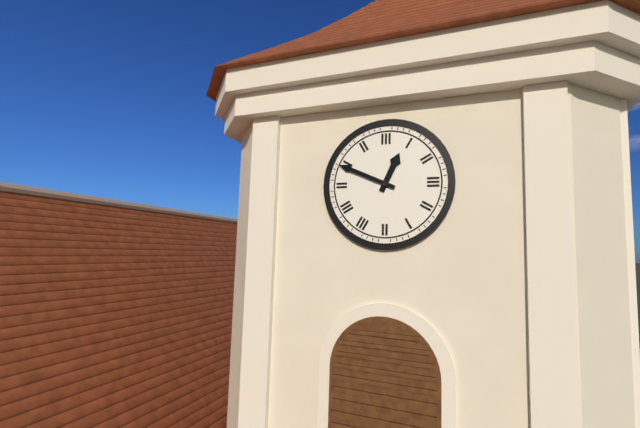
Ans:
h=12 m=49
